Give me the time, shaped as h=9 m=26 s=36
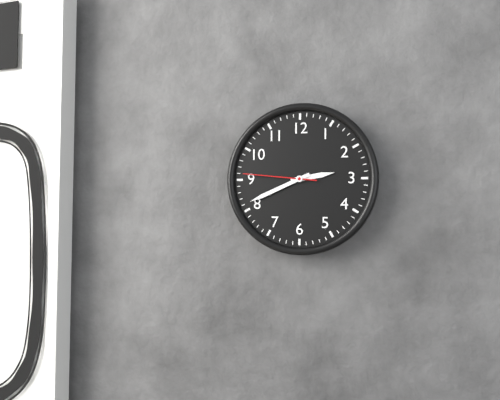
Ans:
h=2 m=41 s=46
